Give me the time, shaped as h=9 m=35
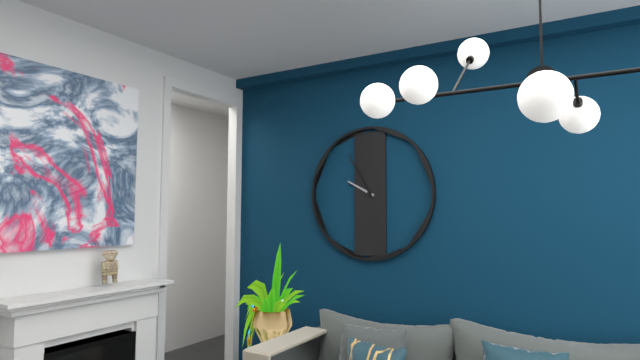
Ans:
h=9 m=55
